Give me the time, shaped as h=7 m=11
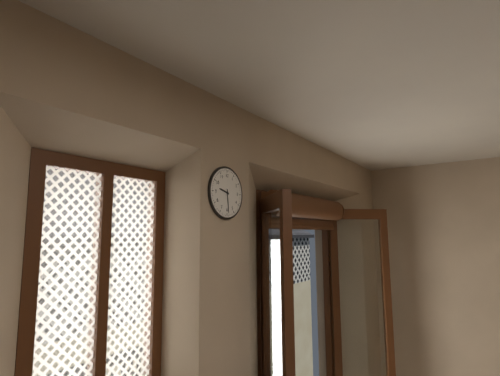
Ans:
h=9 m=29
